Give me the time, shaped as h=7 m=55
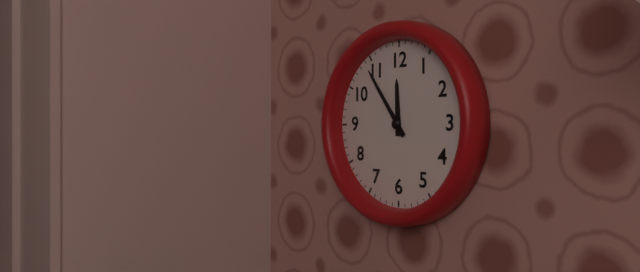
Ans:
h=11 m=54
